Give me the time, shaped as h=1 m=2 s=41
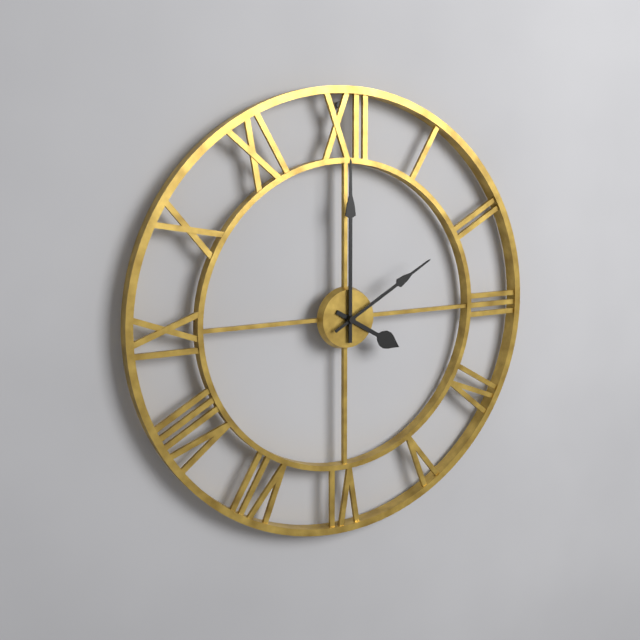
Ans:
h=4 m=0 s=10
